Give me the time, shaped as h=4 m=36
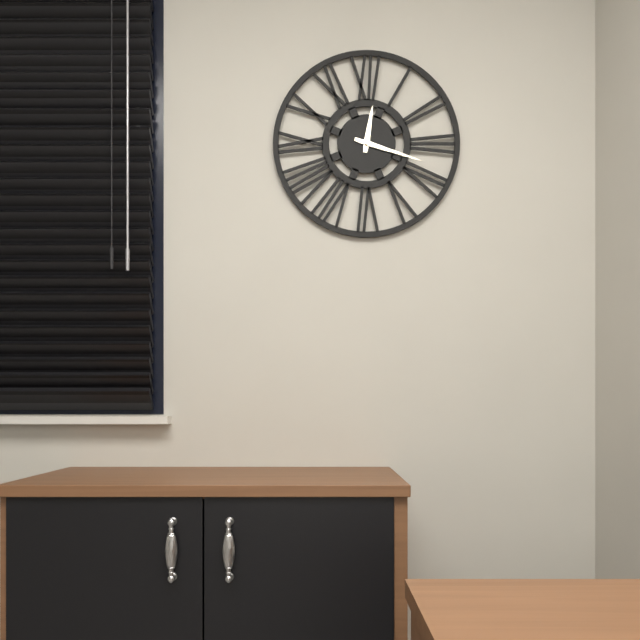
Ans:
h=12 m=18
